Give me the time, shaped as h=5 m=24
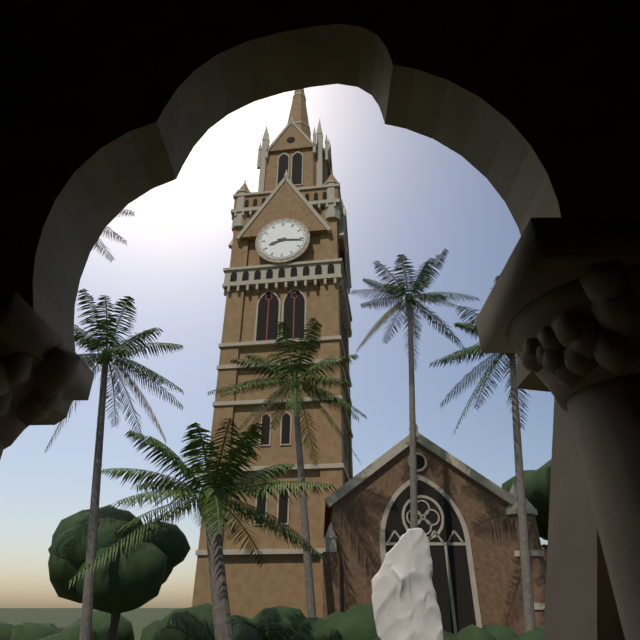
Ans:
h=8 m=16
